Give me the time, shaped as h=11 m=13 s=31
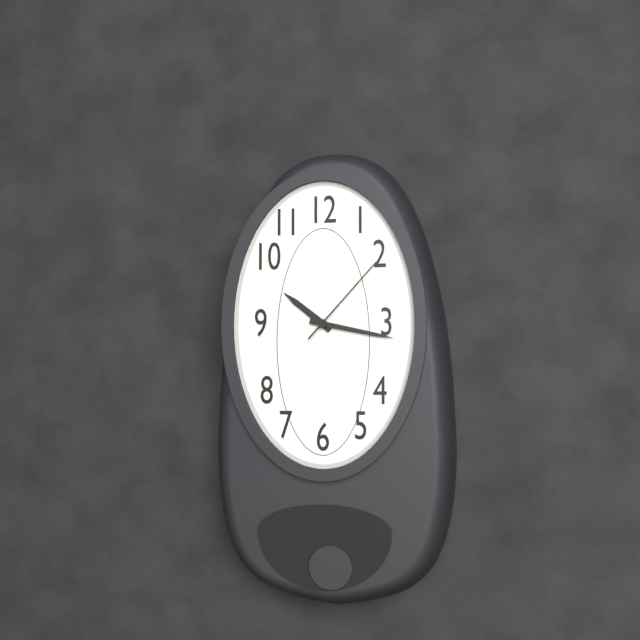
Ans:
h=10 m=17 s=7
